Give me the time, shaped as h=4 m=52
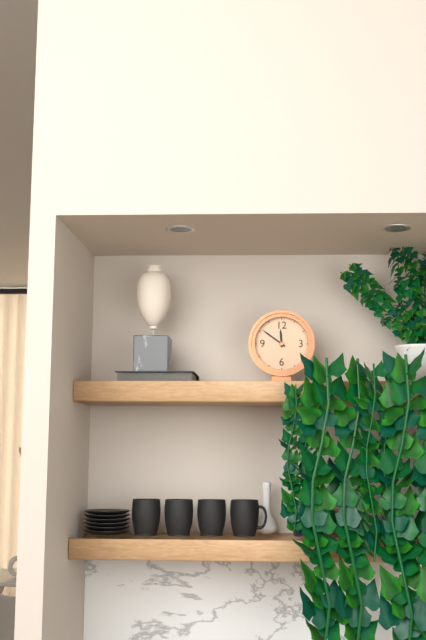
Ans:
h=11 m=51
